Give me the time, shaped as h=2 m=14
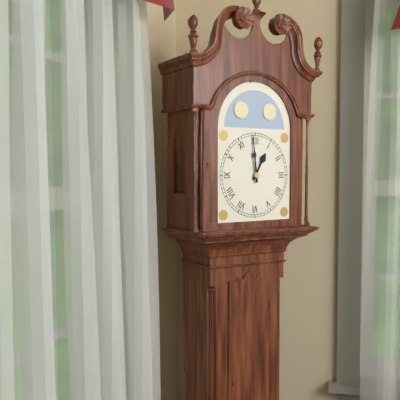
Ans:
h=12 m=59
